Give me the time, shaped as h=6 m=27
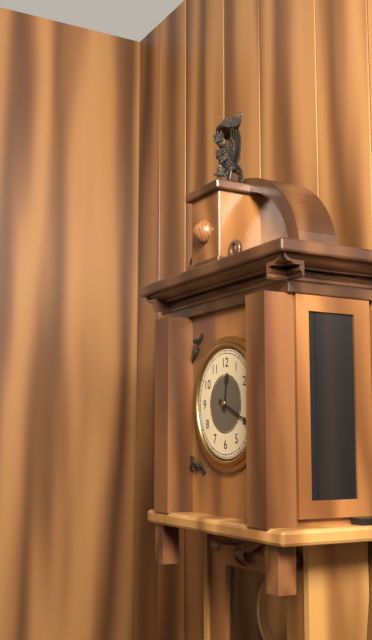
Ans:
h=12 m=19
